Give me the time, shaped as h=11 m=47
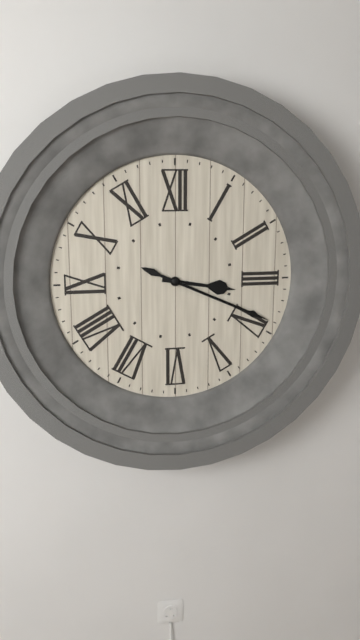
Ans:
h=3 m=19
